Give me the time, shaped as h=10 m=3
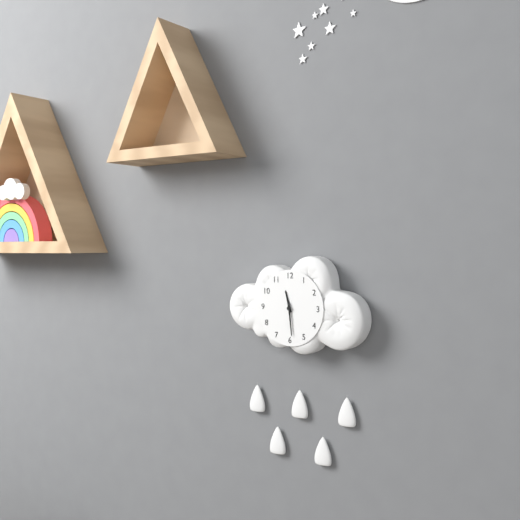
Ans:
h=11 m=29
